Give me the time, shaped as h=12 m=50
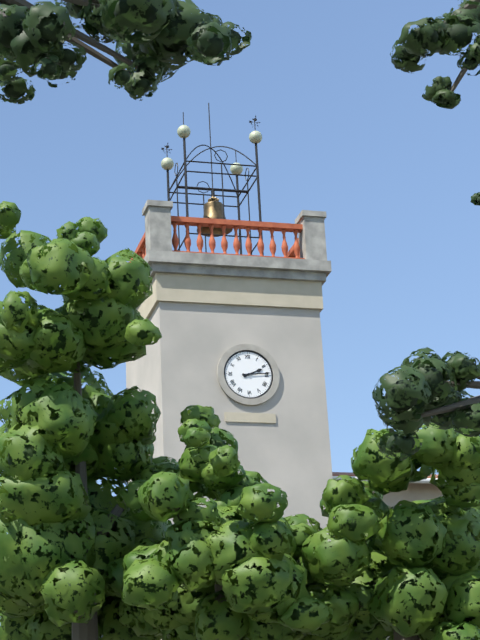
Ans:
h=2 m=14
